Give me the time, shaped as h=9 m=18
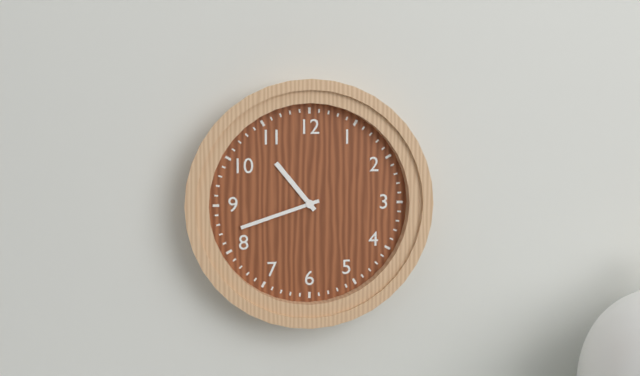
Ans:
h=10 m=42
